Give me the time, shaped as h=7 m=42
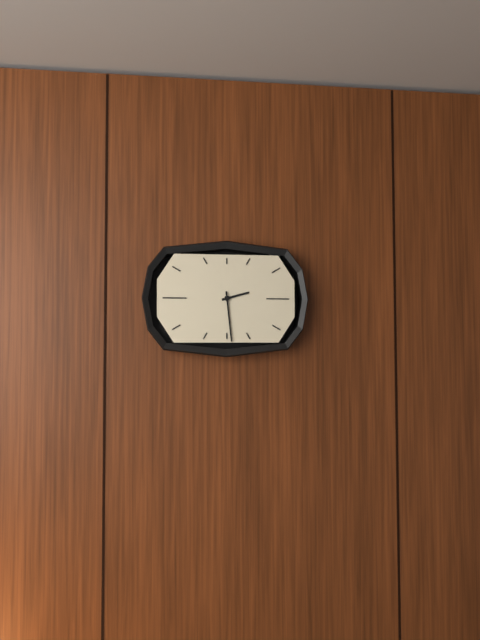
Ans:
h=2 m=29
